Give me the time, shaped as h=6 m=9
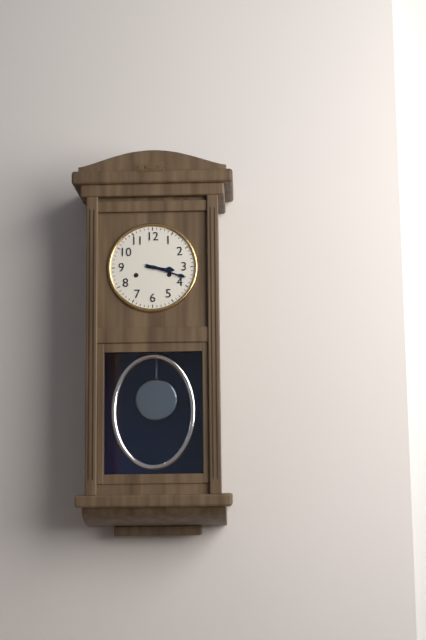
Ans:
h=3 m=18
